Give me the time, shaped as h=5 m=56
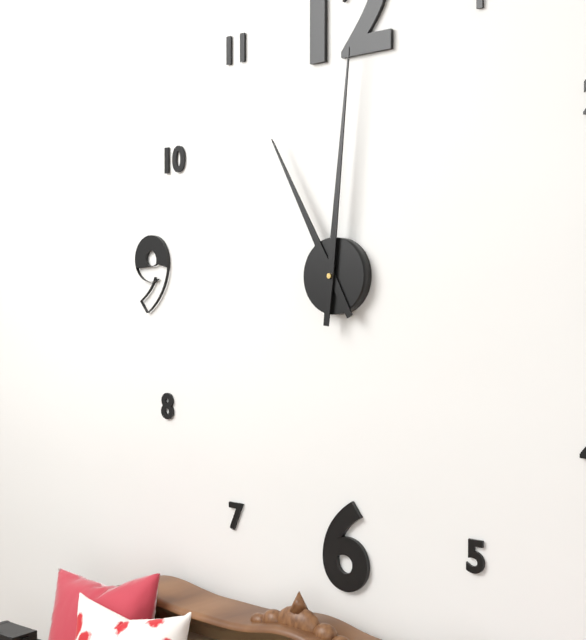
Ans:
h=11 m=1
